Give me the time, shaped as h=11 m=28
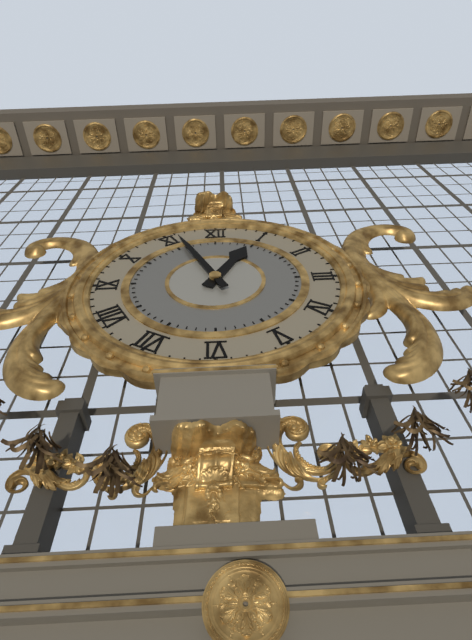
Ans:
h=12 m=56
